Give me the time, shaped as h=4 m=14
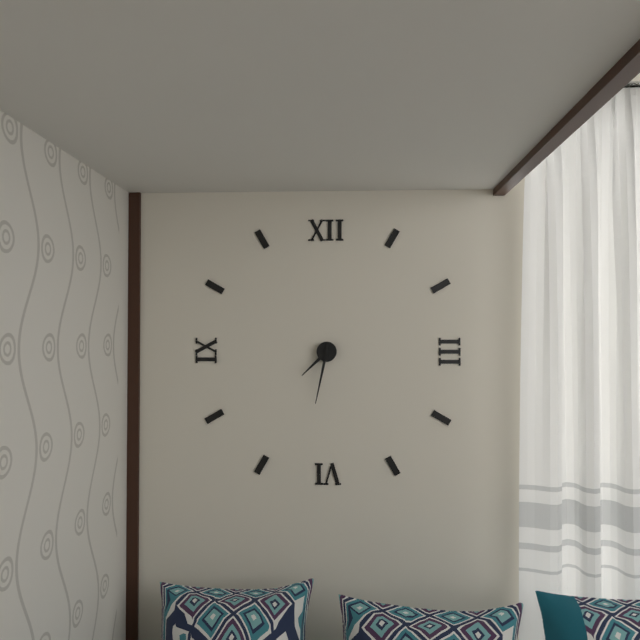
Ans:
h=7 m=32
